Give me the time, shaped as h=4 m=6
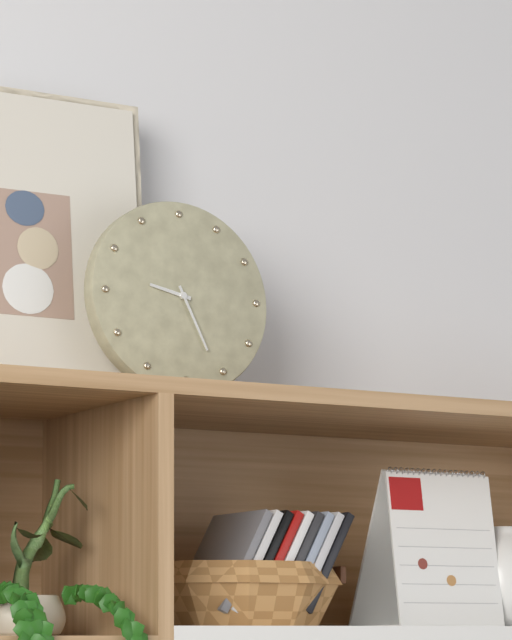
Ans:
h=9 m=26
